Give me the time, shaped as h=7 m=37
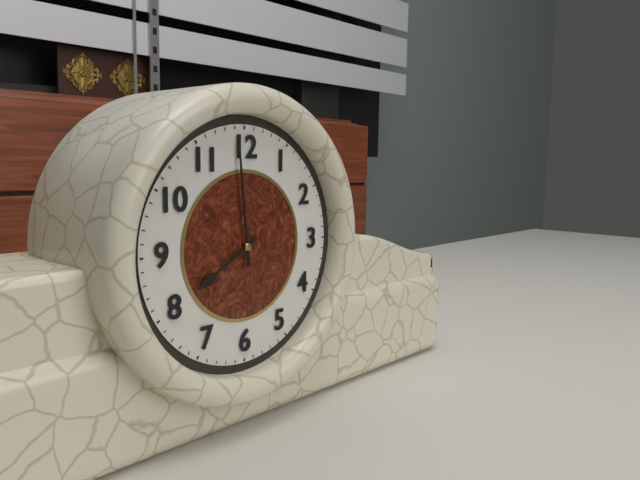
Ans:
h=7 m=59
